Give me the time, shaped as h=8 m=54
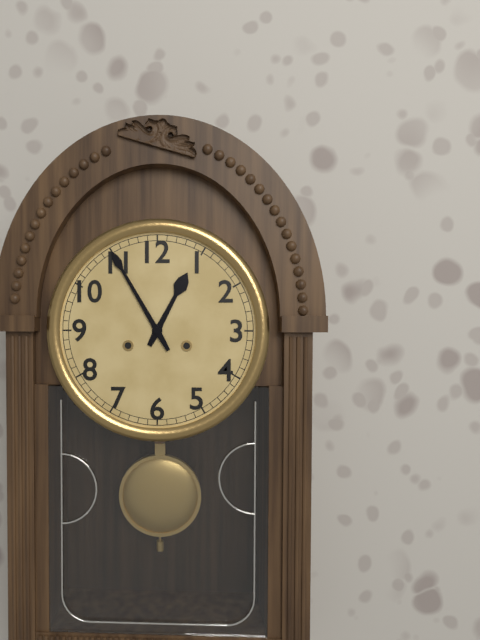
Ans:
h=12 m=55
